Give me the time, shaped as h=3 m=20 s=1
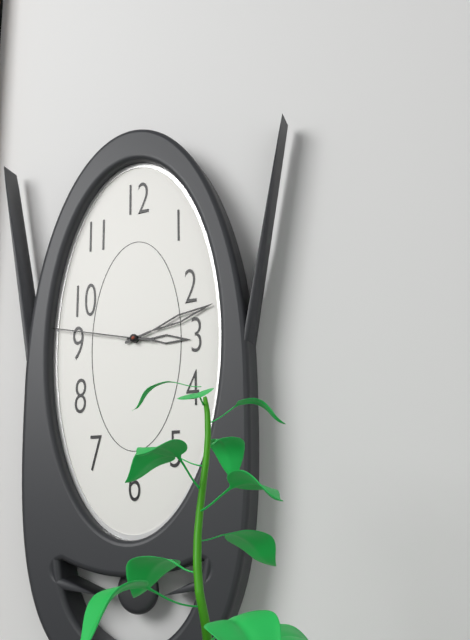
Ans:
h=3 m=12 s=47
